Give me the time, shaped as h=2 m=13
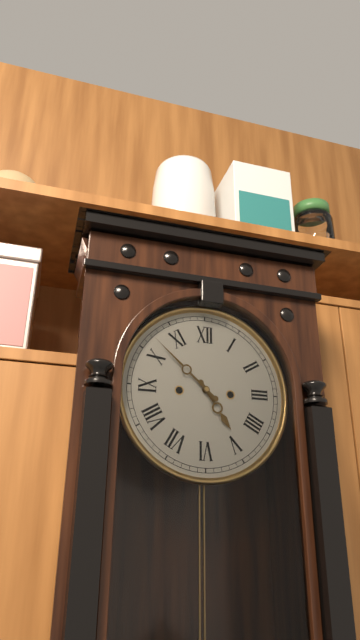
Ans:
h=4 m=52
